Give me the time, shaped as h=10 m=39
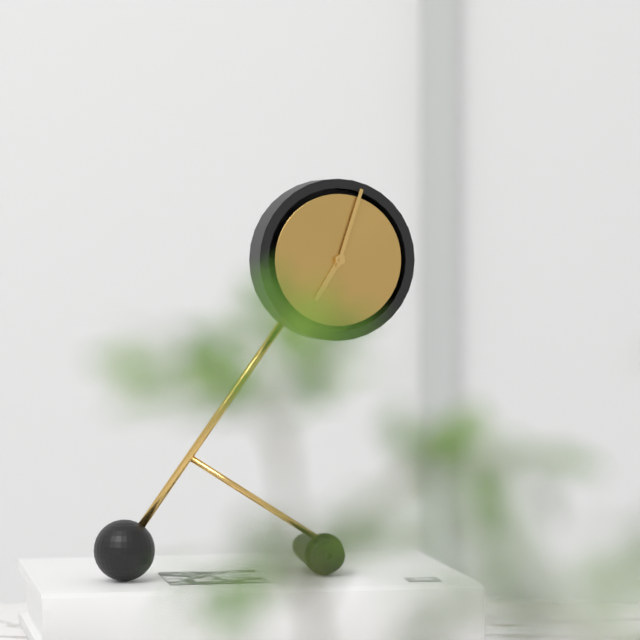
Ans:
h=7 m=3
